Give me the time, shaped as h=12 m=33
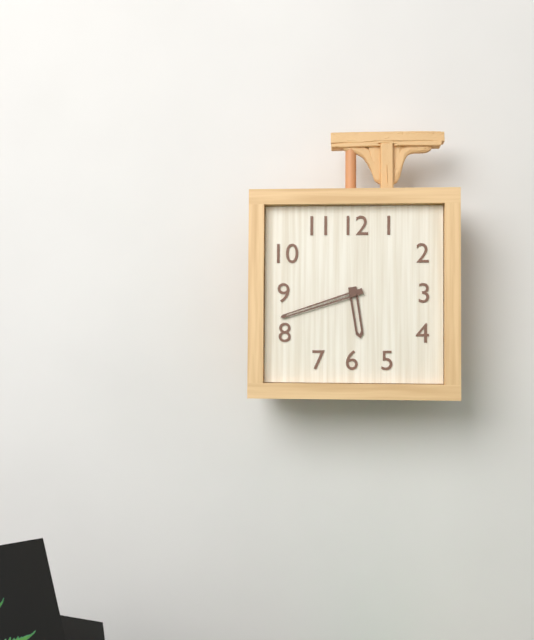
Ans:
h=5 m=42
